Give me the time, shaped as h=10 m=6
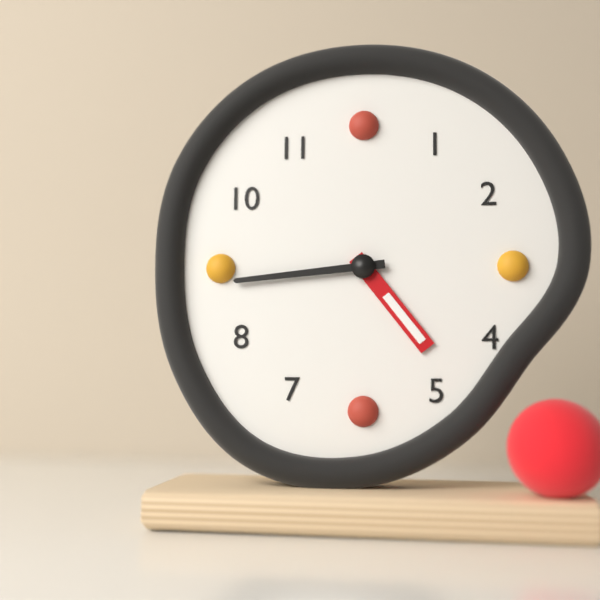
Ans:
h=4 m=44
